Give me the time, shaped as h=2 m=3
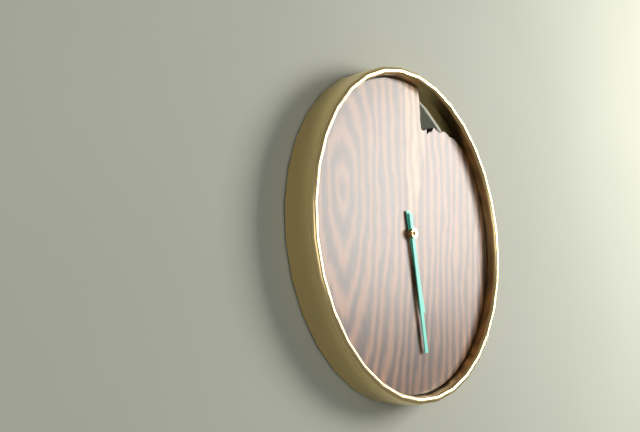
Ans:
h=5 m=28
